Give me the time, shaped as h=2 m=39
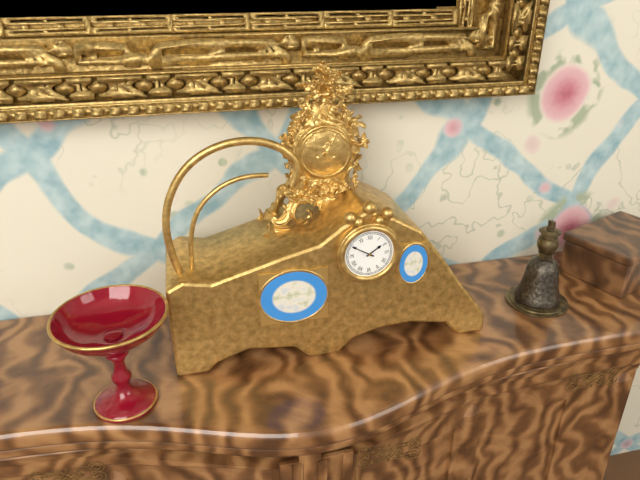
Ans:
h=1 m=50
